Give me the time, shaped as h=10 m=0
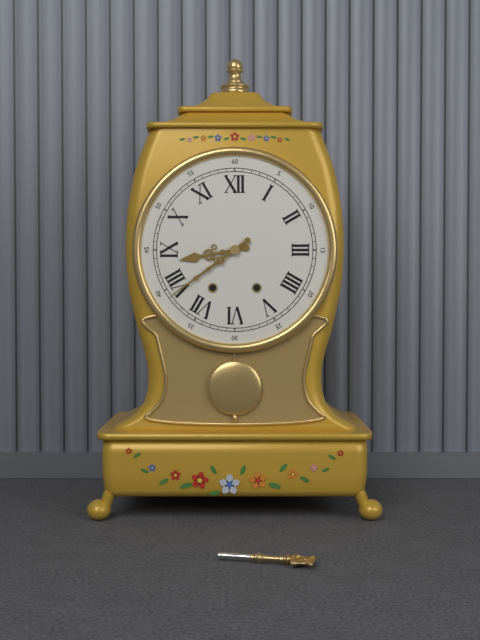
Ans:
h=8 m=39
